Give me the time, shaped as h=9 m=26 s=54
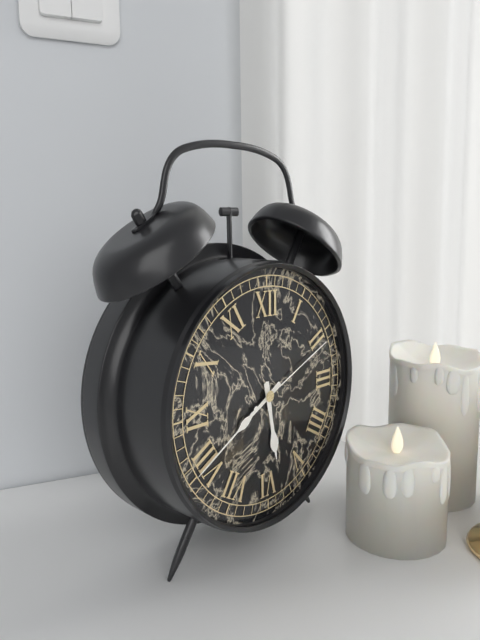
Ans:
h=5 m=40 s=11
